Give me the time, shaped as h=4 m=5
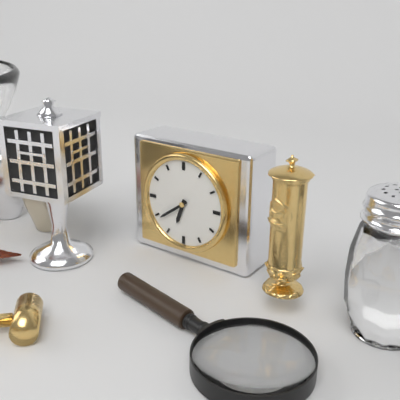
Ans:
h=6 m=39
